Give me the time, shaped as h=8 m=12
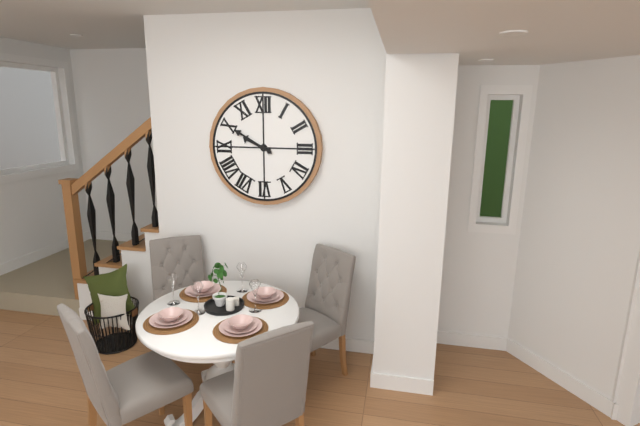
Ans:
h=9 m=50
